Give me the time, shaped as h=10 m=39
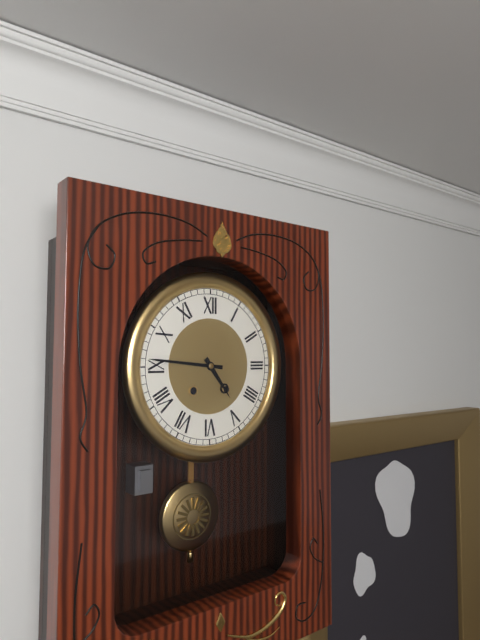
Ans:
h=4 m=46
